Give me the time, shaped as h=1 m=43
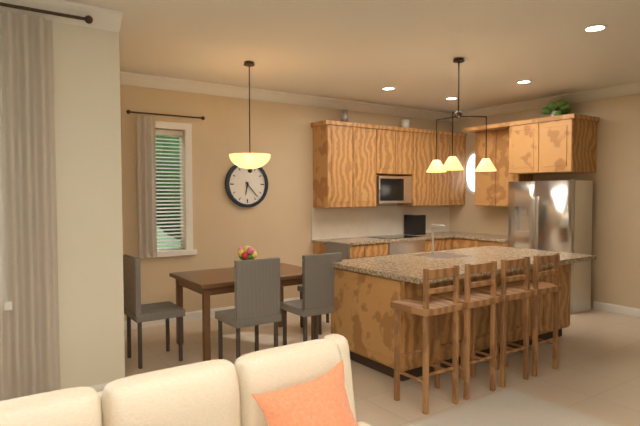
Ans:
h=6 m=23
